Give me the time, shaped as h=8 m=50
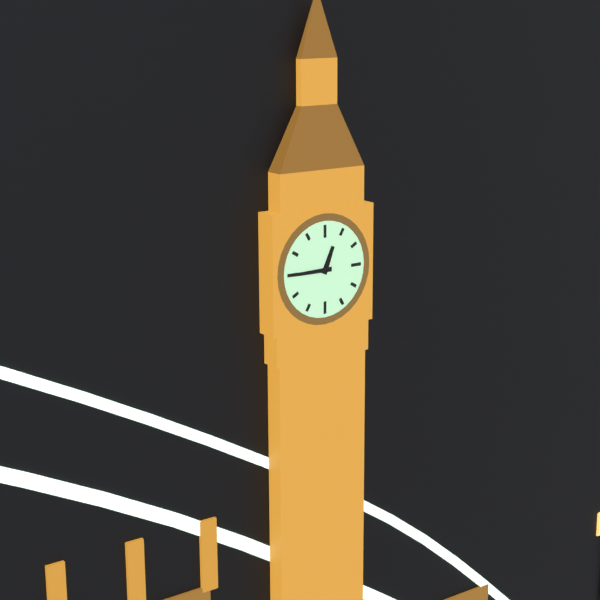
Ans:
h=12 m=45
